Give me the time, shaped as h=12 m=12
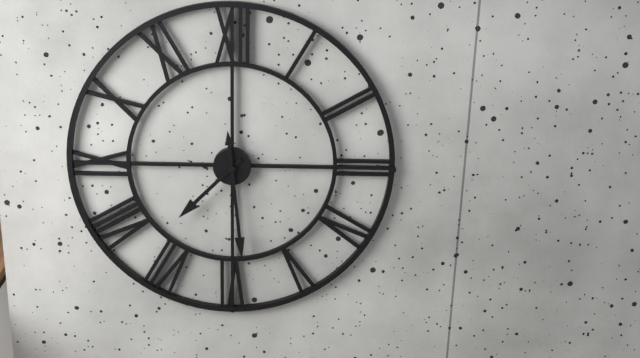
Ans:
h=7 m=29
